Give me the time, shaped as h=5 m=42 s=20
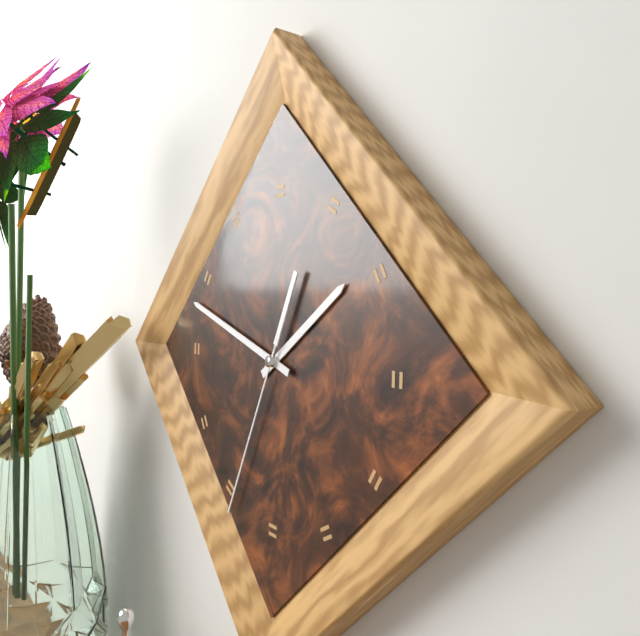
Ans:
h=1 m=48 s=34
